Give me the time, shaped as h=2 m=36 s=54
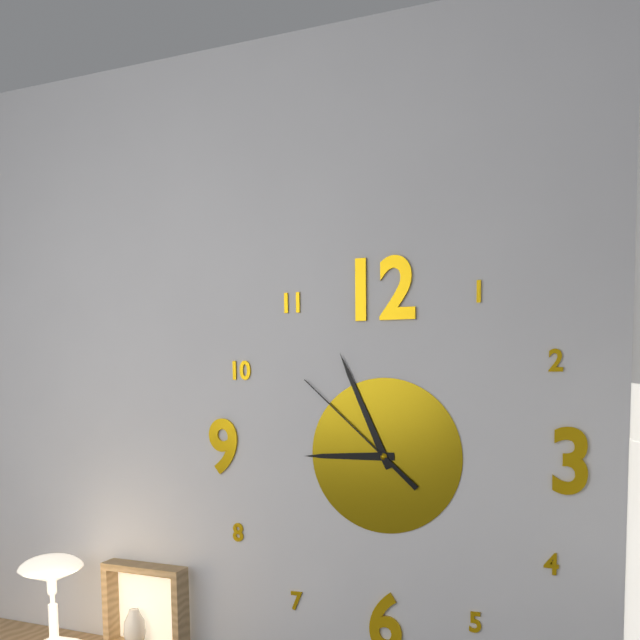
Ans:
h=8 m=56 s=52
